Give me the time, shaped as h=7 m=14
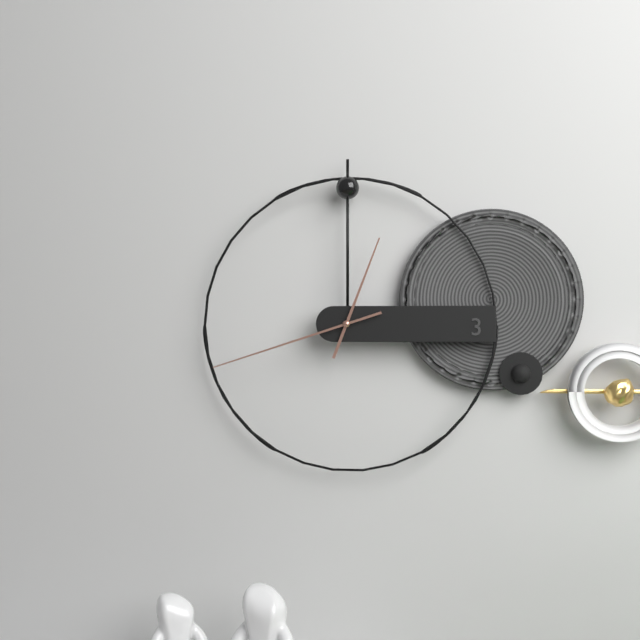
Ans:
h=12 m=42
